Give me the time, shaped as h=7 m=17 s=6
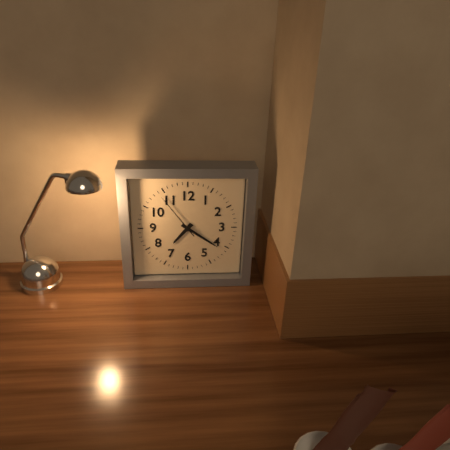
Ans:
h=7 m=21 s=54
